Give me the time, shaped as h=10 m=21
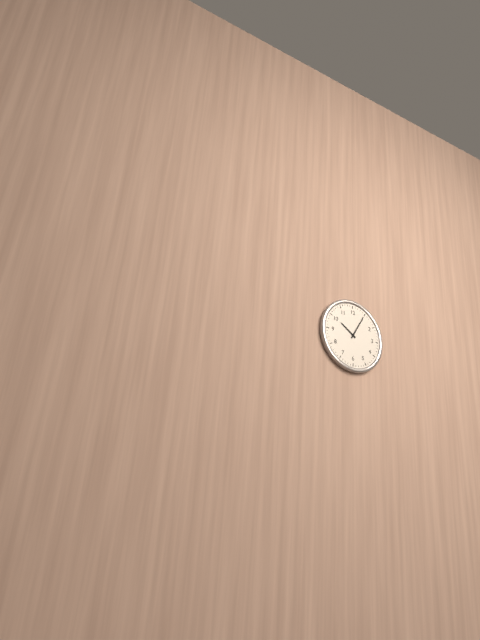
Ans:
h=10 m=5
